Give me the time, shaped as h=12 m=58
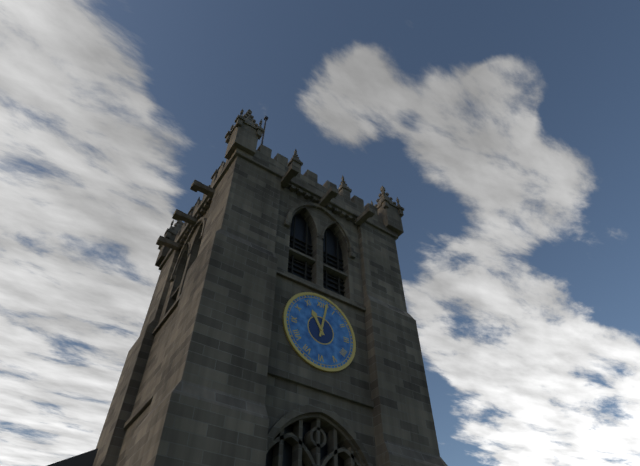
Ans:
h=11 m=2
